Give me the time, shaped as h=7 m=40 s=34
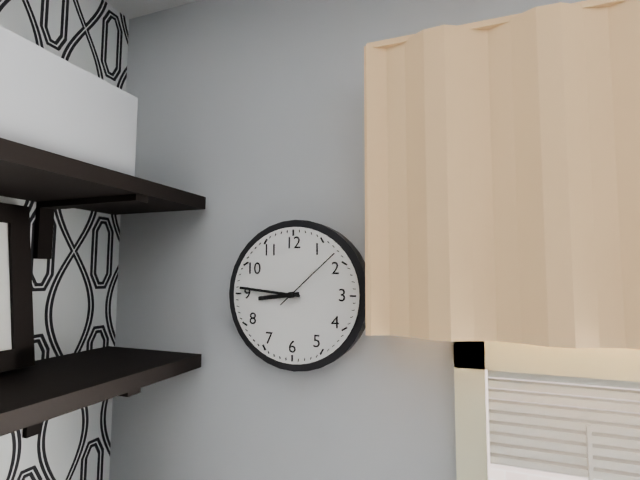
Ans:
h=8 m=46 s=8
